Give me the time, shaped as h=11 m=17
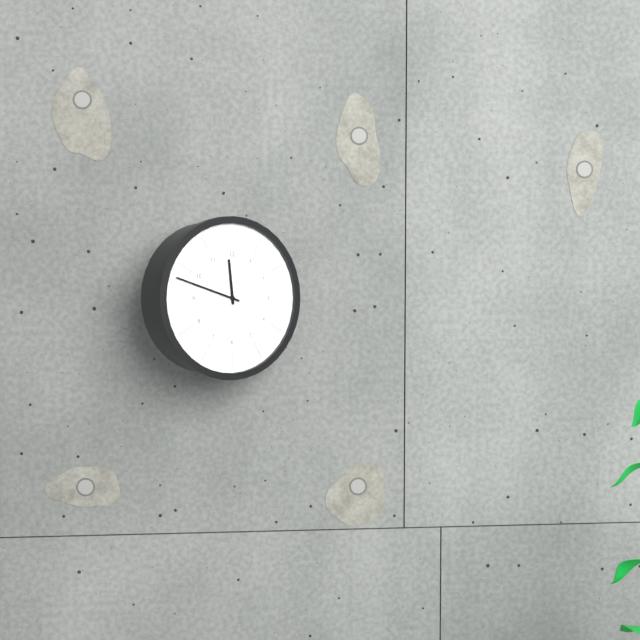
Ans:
h=11 m=48
